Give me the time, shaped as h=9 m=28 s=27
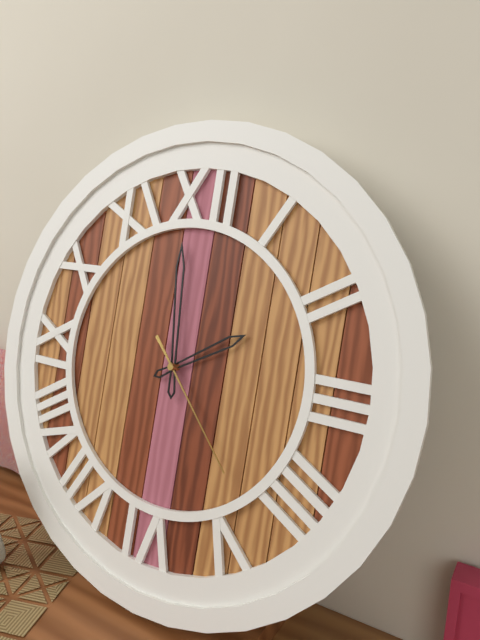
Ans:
h=1 m=59 s=23
